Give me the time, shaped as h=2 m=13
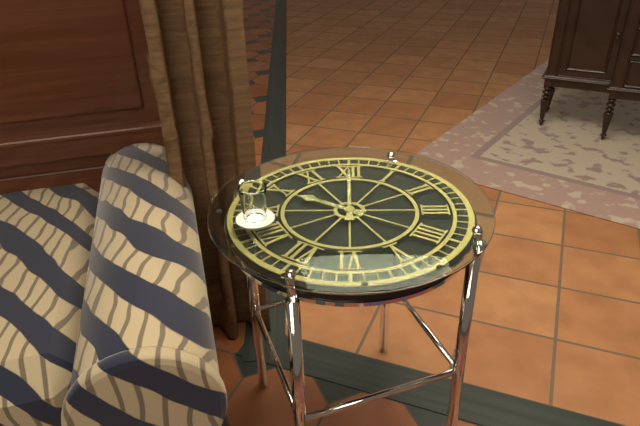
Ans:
h=10 m=0
